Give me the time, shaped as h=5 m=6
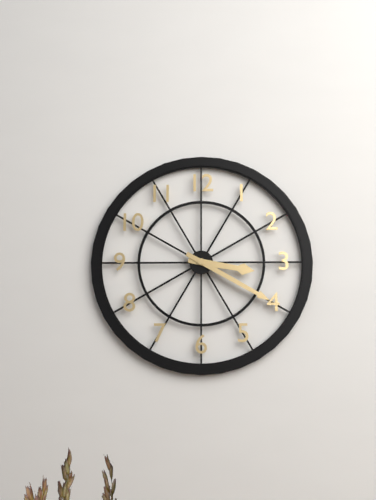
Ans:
h=3 m=20
